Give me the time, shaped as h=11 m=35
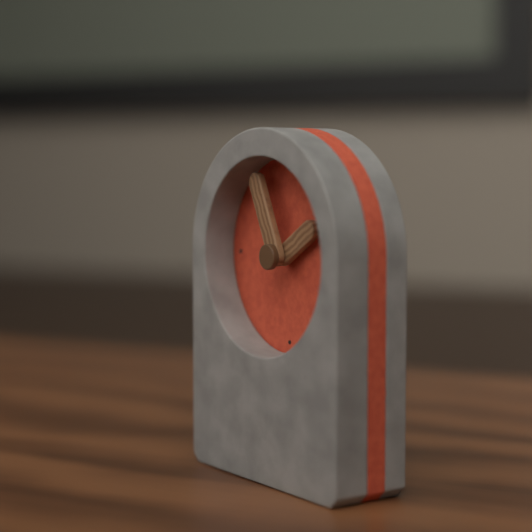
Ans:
h=1 m=56
